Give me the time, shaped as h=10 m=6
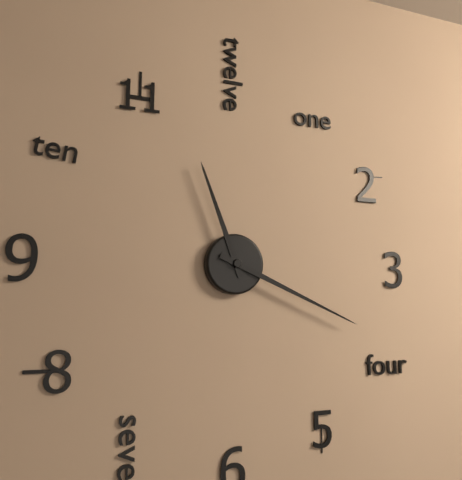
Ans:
h=11 m=19
